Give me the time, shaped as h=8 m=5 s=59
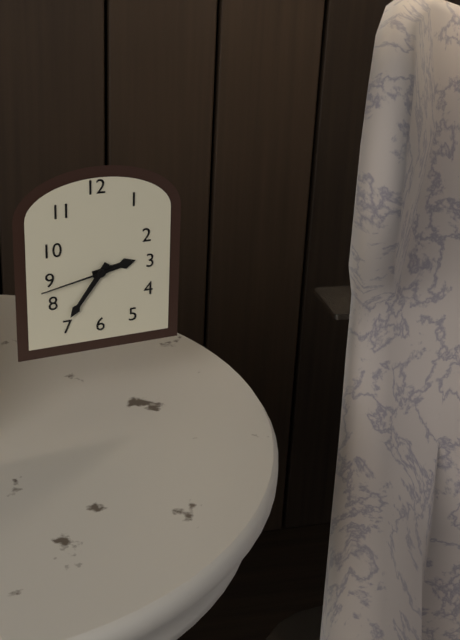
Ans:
h=2 m=36 s=43
